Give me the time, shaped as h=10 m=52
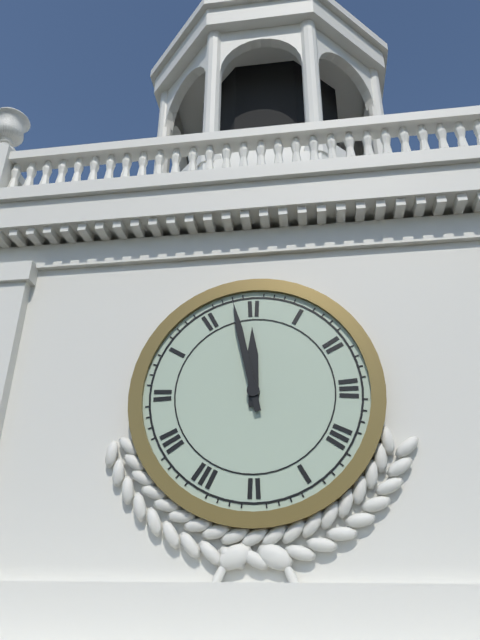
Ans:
h=11 m=58
